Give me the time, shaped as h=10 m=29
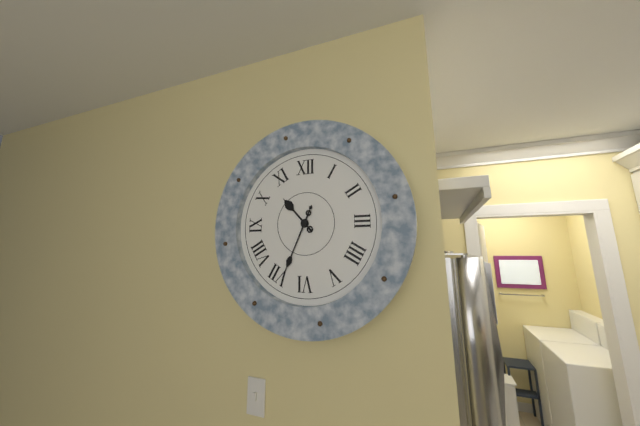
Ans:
h=10 m=34
